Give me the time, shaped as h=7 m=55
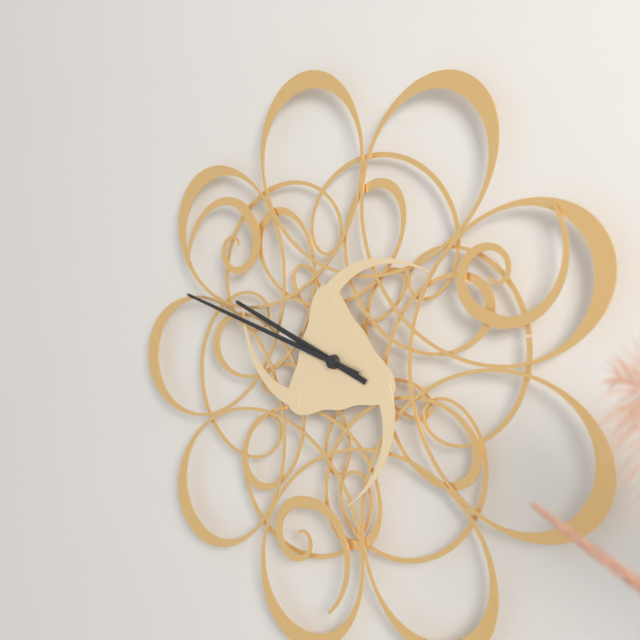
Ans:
h=9 m=48
